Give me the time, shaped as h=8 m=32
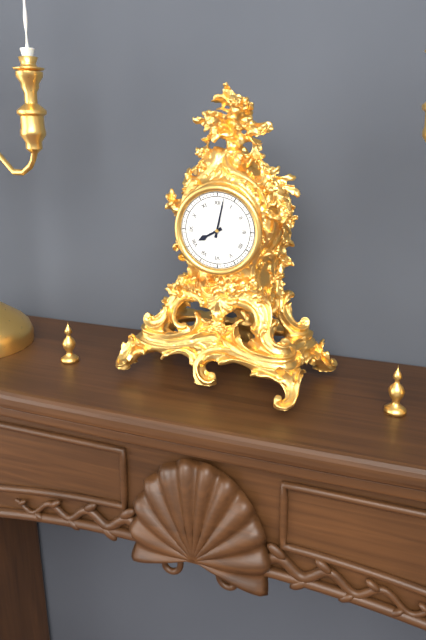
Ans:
h=8 m=2
